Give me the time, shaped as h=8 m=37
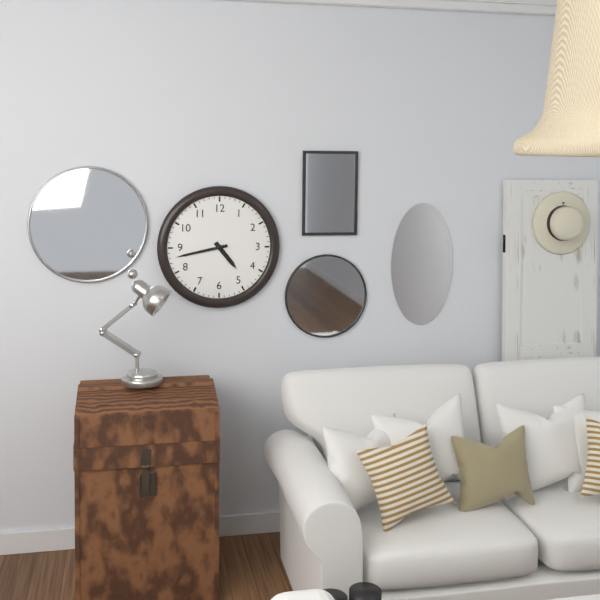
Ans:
h=4 m=43
